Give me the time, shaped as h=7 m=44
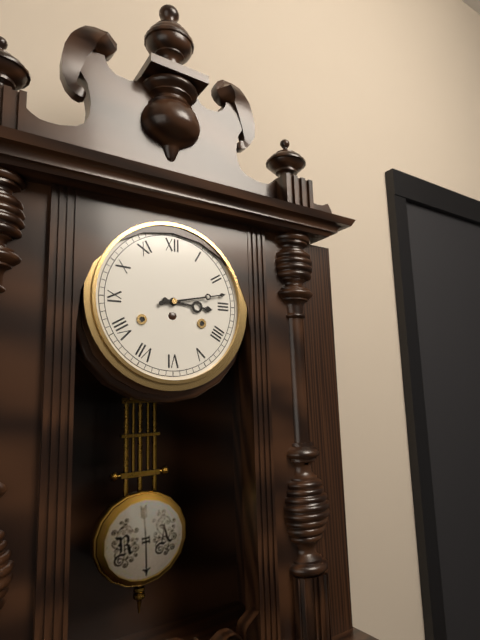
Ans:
h=3 m=13
